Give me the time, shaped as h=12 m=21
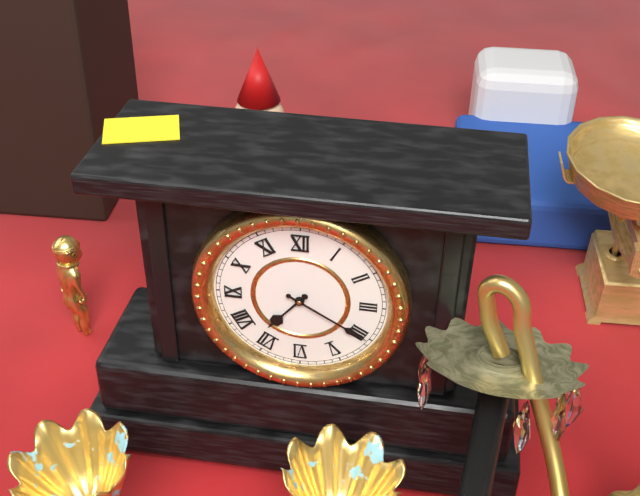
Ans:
h=7 m=20
